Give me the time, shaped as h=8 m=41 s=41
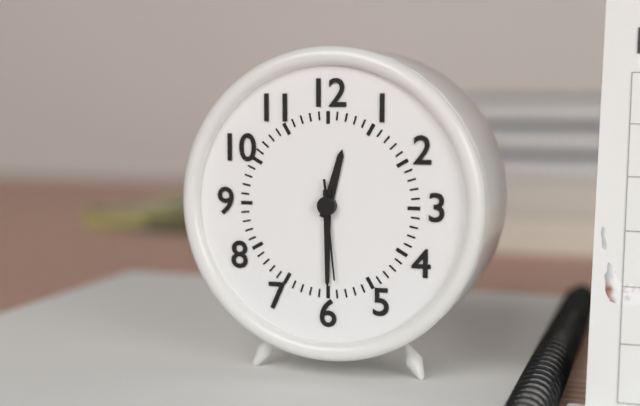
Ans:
h=12 m=30 s=29
